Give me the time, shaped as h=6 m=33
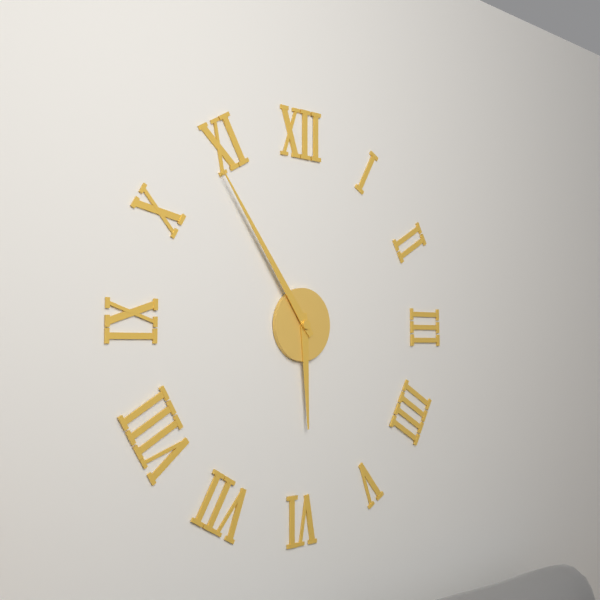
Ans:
h=5 m=54
